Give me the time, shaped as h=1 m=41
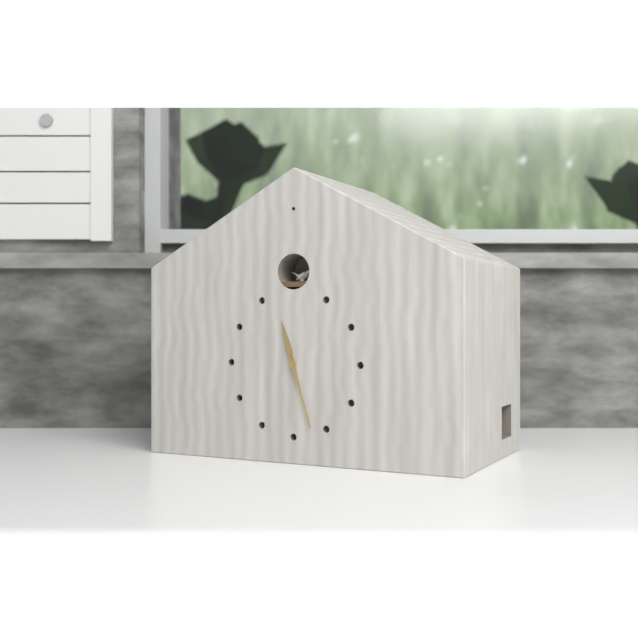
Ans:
h=11 m=27
